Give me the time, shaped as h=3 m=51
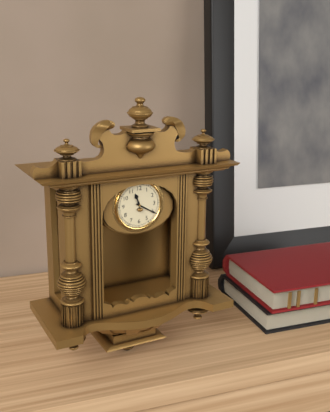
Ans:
h=11 m=20
